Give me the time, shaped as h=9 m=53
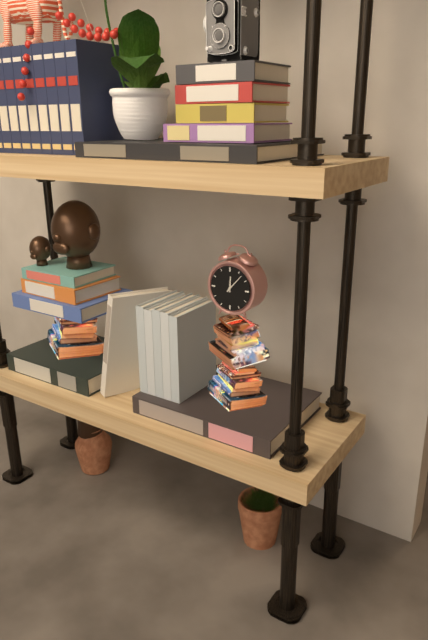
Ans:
h=12 m=7
